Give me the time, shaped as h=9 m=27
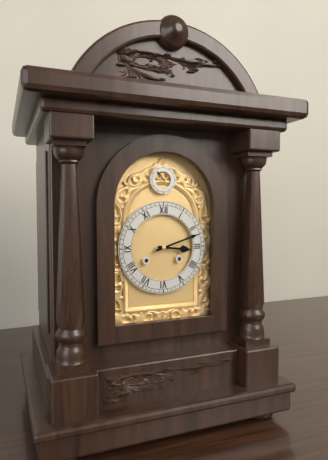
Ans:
h=3 m=12
